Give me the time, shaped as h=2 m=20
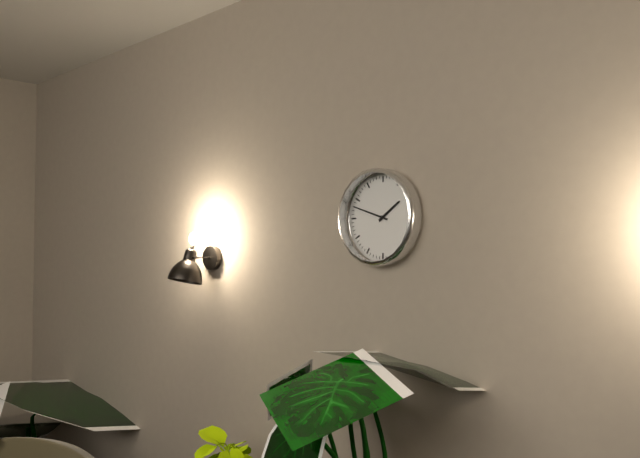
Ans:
h=1 m=48
